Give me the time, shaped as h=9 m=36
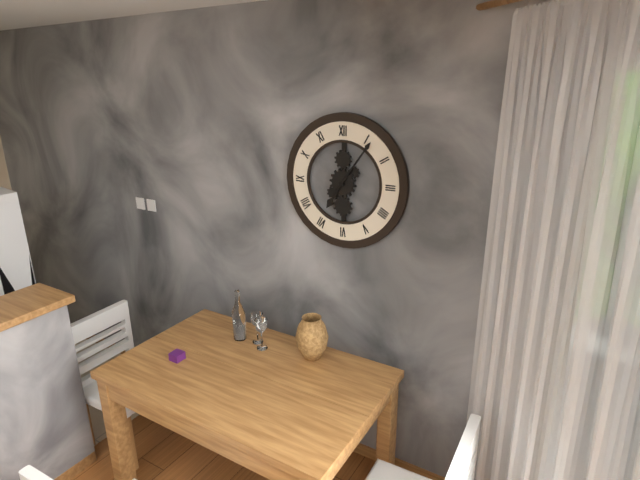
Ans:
h=7 m=6
